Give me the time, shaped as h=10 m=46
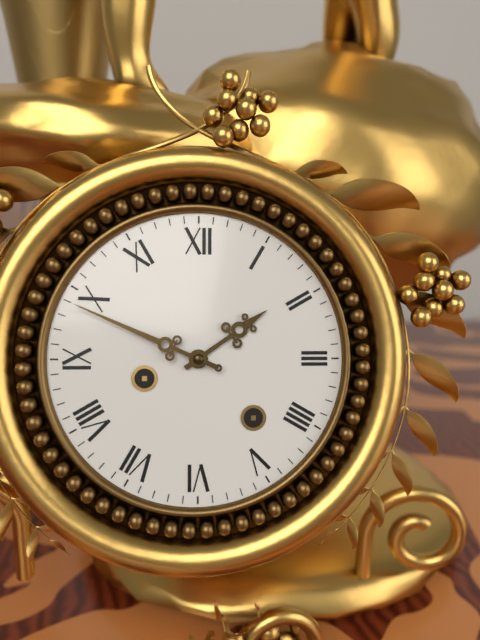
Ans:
h=1 m=49
